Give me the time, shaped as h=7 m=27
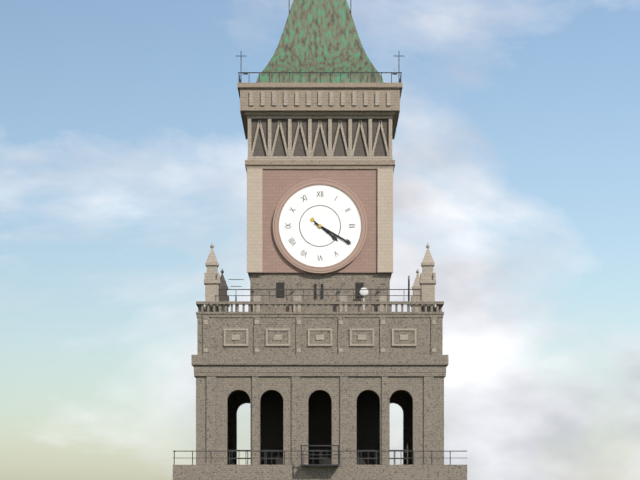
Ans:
h=4 m=20
